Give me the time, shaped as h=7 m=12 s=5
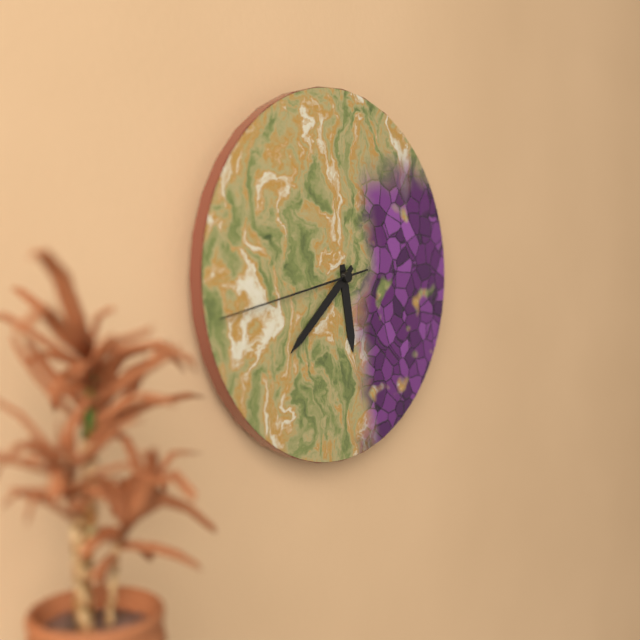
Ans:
h=5 m=38 s=43
